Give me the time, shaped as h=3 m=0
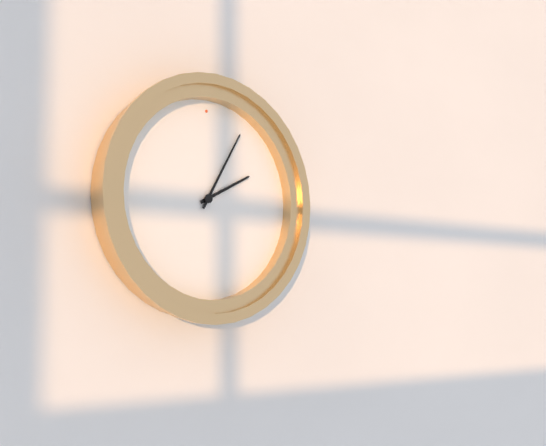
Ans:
h=2 m=5
